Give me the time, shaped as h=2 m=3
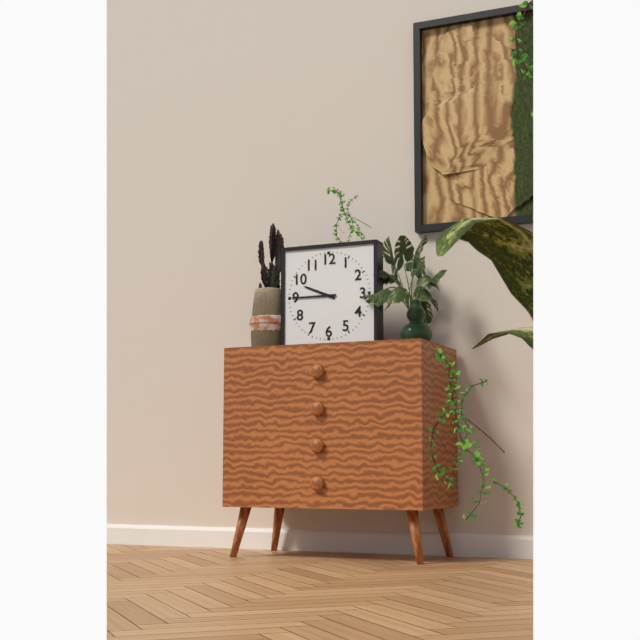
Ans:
h=9 m=45
